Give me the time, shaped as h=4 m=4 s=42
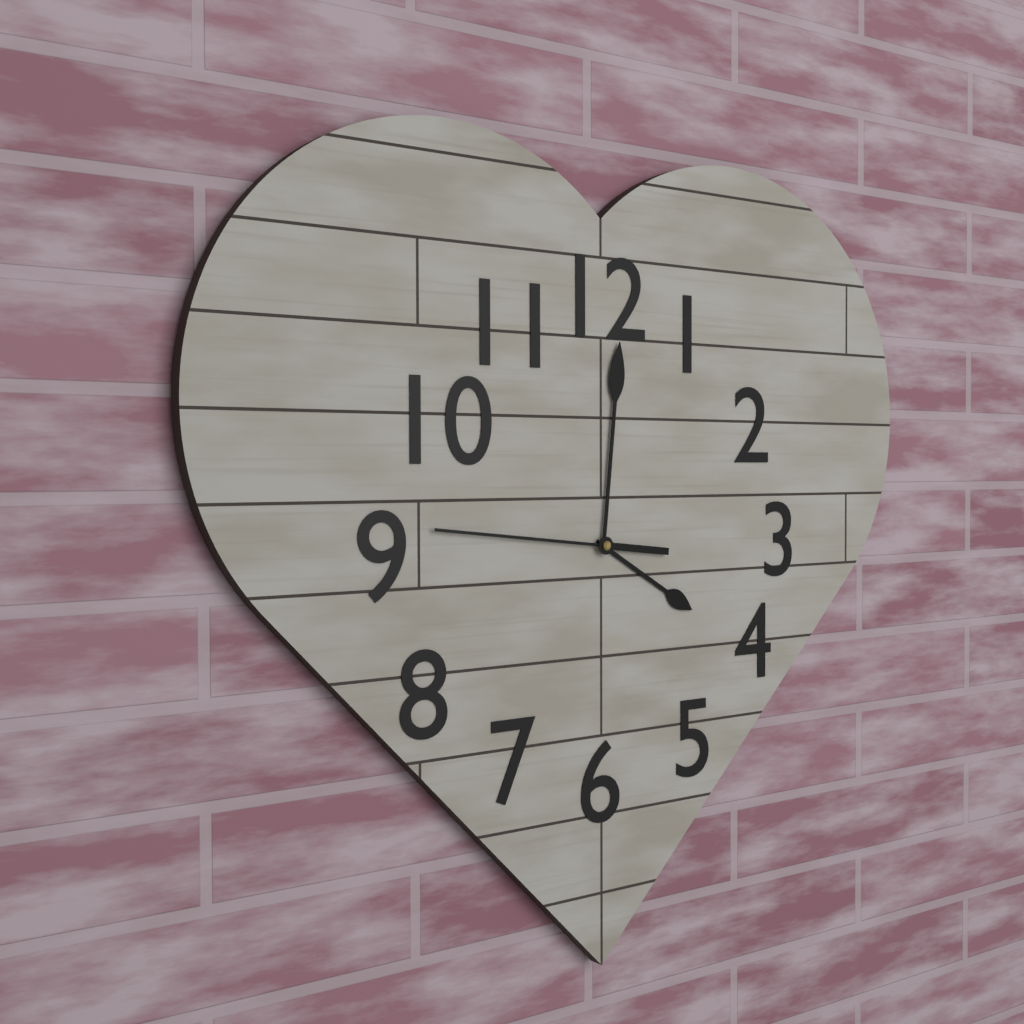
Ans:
h=4 m=1 s=46
